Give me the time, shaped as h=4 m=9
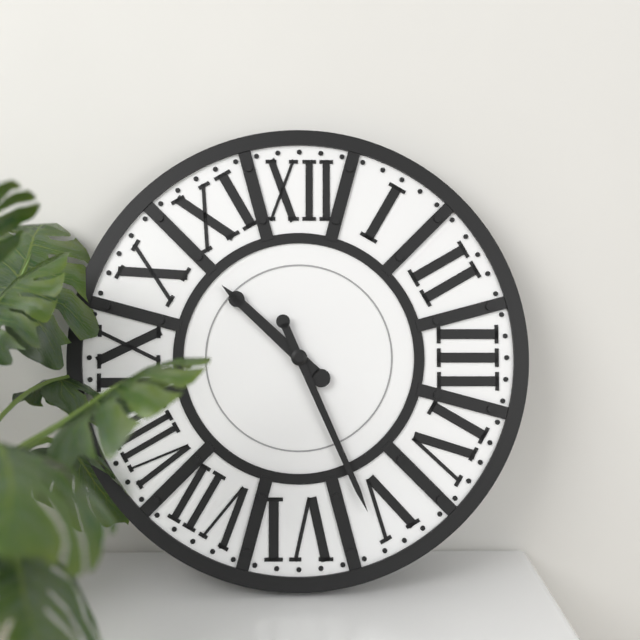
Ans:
h=10 m=26
